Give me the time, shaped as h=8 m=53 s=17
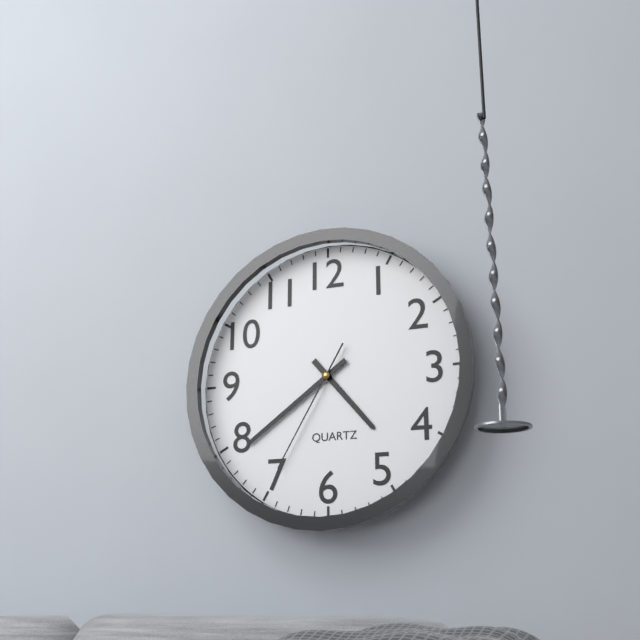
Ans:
h=4 m=39 s=35
